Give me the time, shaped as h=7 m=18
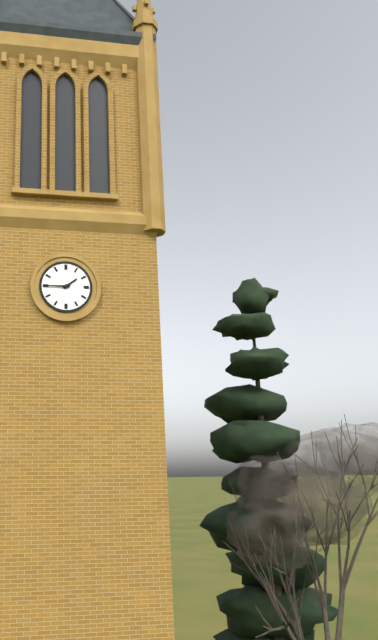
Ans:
h=1 m=45
